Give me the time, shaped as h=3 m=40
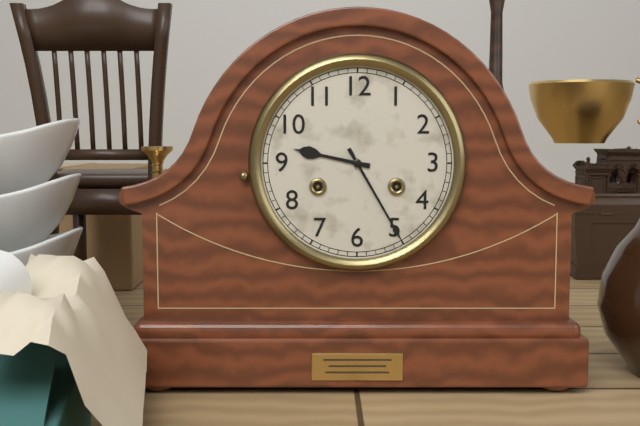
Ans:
h=9 m=25
